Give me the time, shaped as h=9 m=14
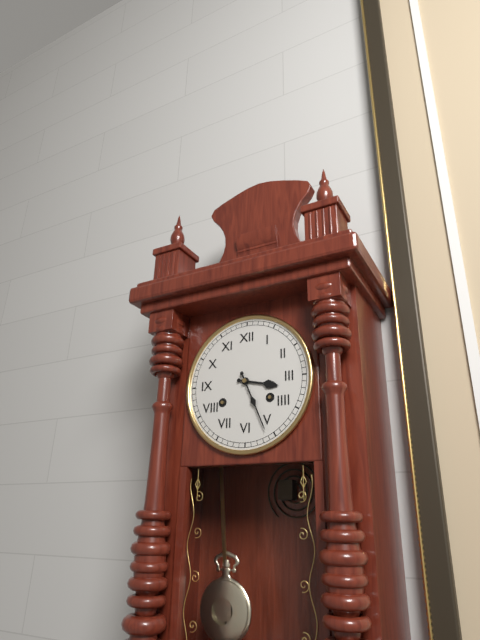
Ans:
h=3 m=26
